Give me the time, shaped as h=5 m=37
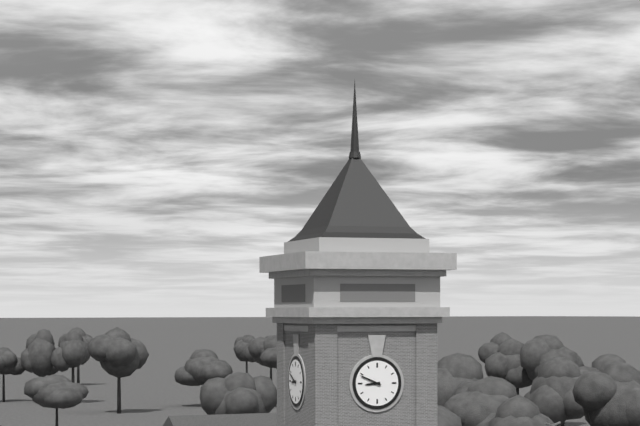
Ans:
h=8 m=49
